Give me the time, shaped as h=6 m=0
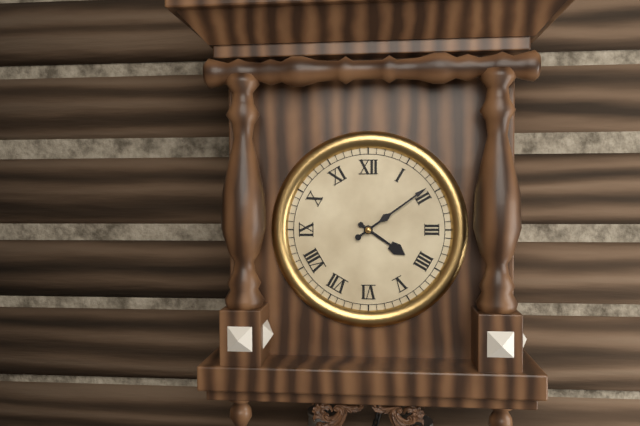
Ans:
h=4 m=9
